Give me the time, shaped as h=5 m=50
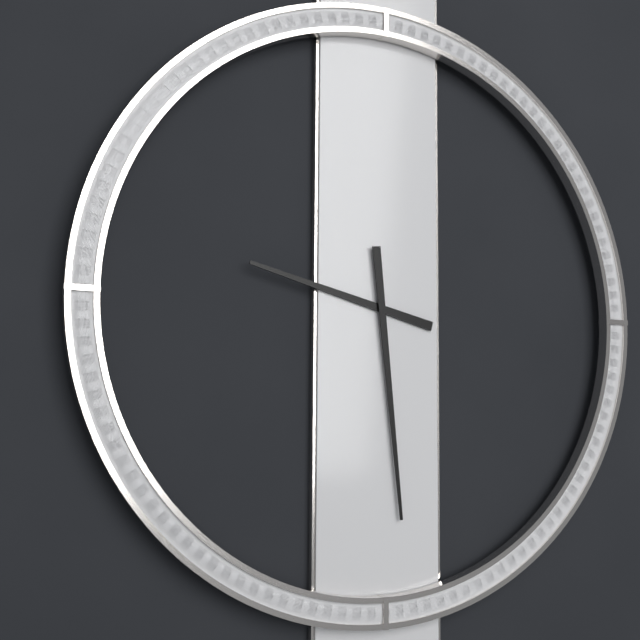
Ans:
h=9 m=29
